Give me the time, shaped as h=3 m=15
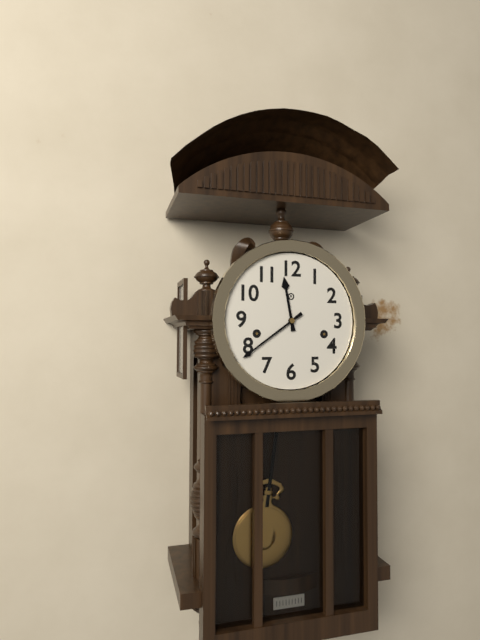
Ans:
h=11 m=39
